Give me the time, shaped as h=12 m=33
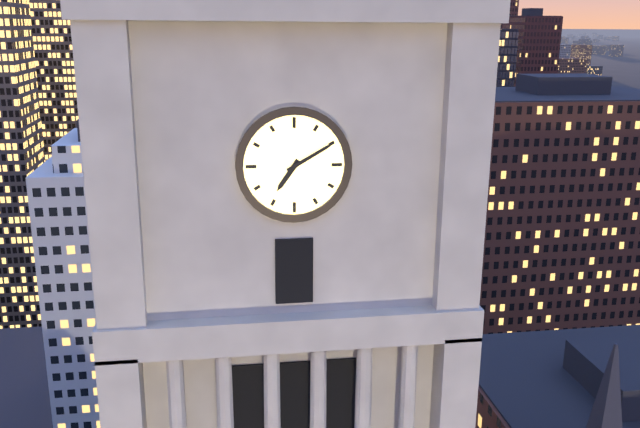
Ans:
h=7 m=10
